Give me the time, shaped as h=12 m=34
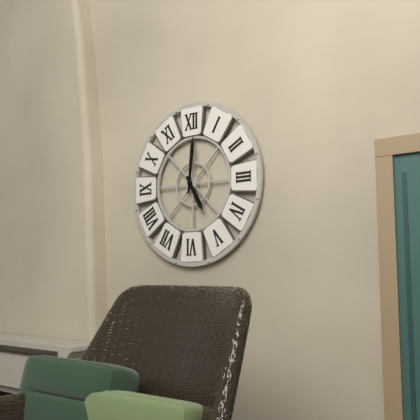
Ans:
h=5 m=1
